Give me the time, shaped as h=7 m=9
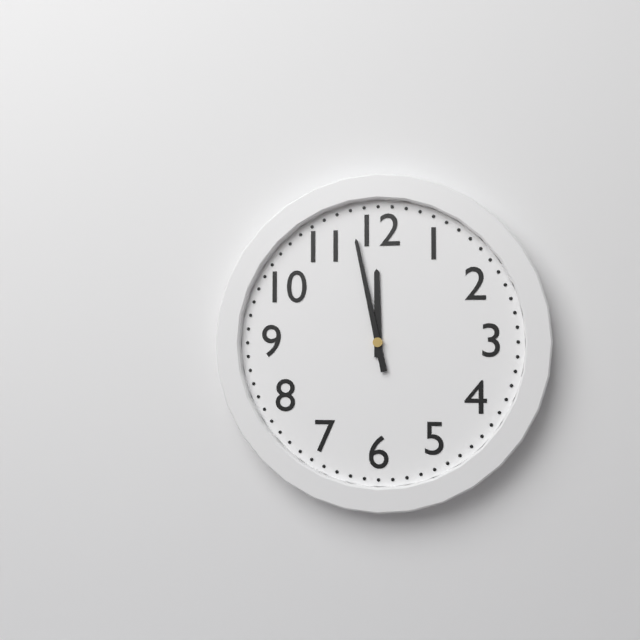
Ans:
h=11 m=58
